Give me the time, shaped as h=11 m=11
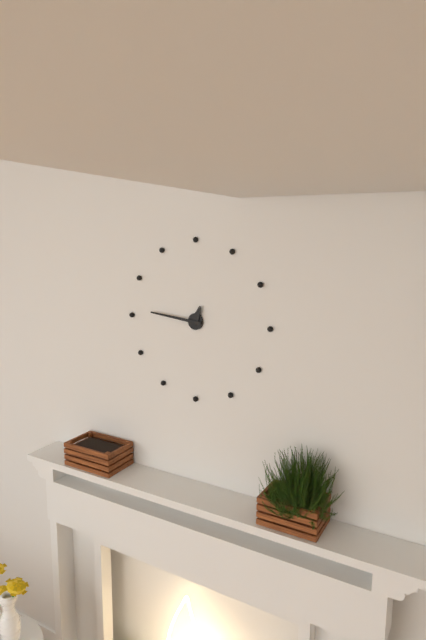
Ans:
h=12 m=46
